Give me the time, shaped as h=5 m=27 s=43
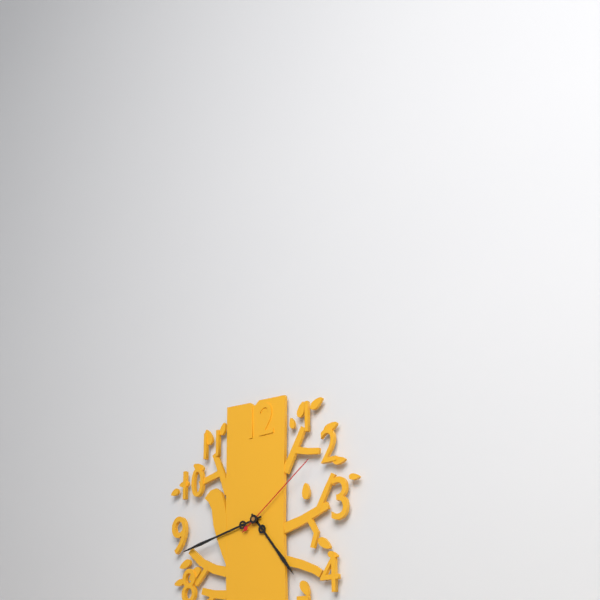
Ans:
h=4 m=43 s=9
